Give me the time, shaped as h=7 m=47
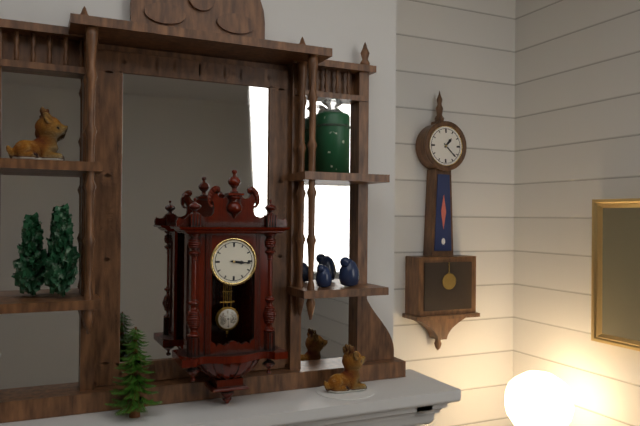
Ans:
h=3 m=16
